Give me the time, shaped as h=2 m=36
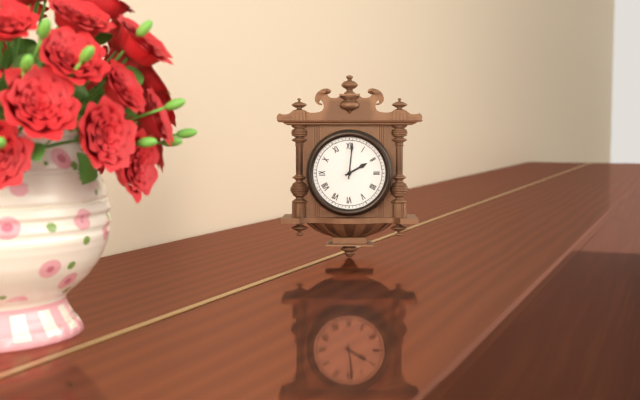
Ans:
h=2 m=1
